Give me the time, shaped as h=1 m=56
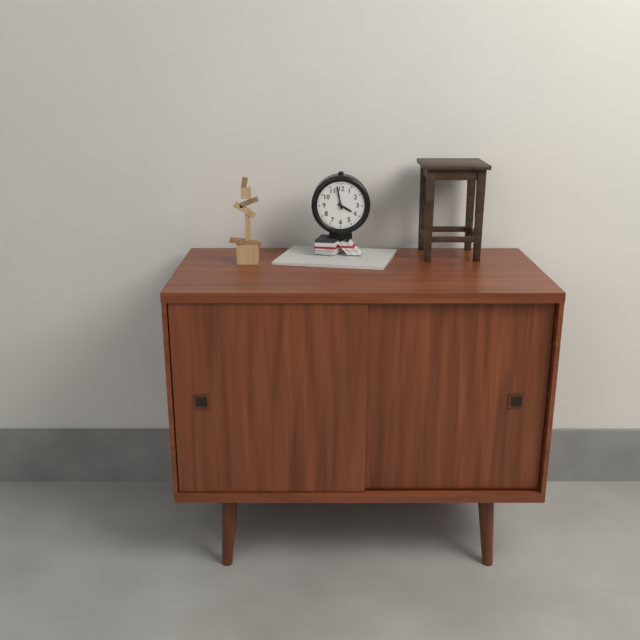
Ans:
h=3 m=58
